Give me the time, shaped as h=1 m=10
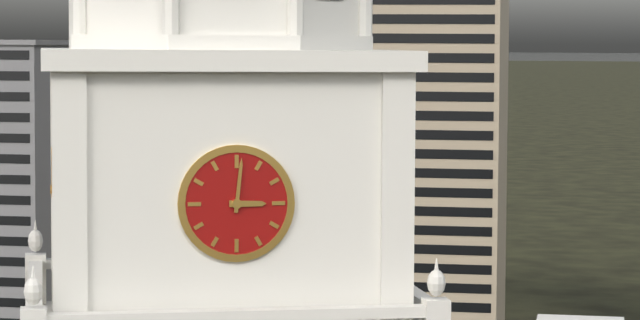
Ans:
h=3 m=1
